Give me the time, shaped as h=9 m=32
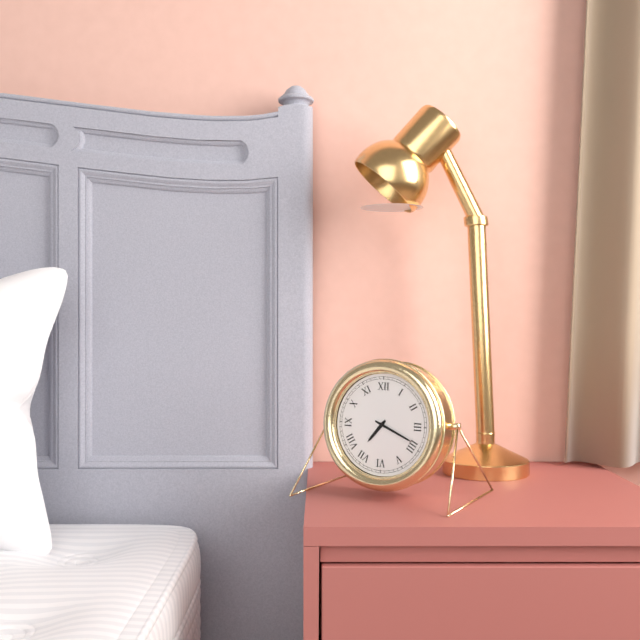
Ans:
h=7 m=19
